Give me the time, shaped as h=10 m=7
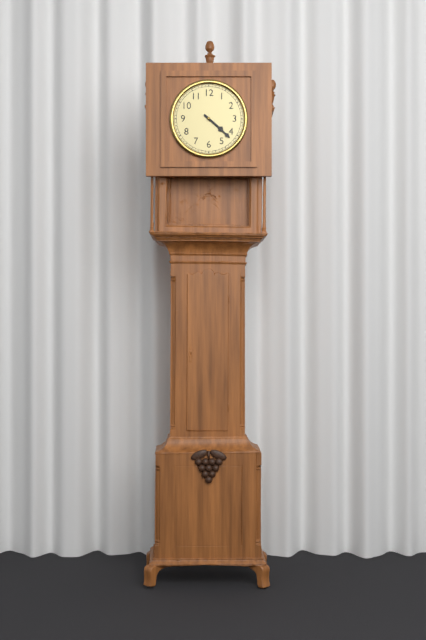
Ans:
h=4 m=22
